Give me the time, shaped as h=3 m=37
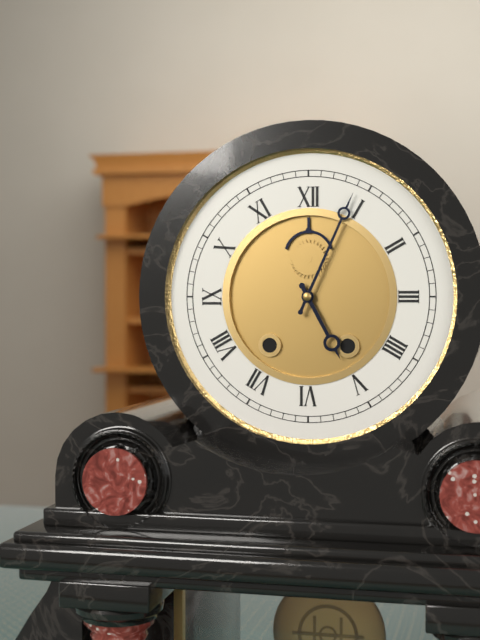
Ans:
h=5 m=4
